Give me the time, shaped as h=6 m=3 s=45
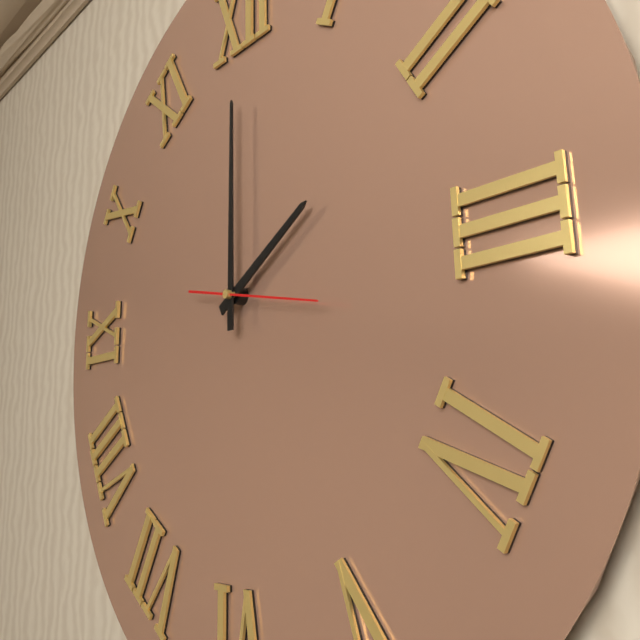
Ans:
h=2 m=0 s=17
